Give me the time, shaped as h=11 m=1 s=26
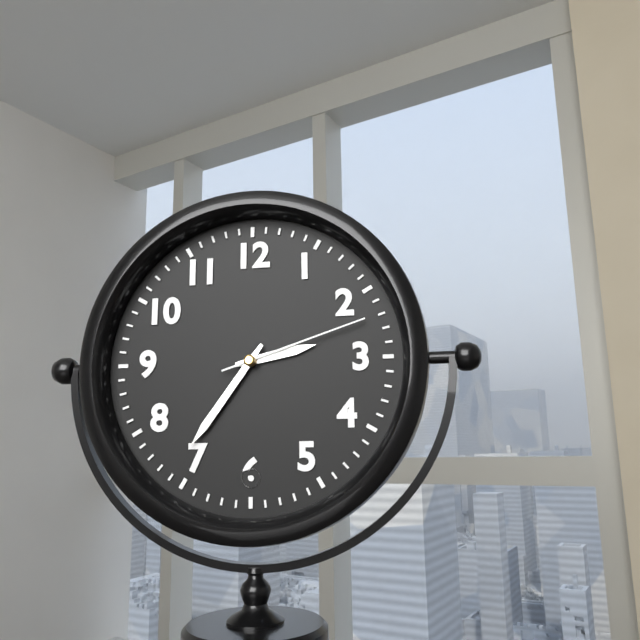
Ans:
h=2 m=36 s=12
